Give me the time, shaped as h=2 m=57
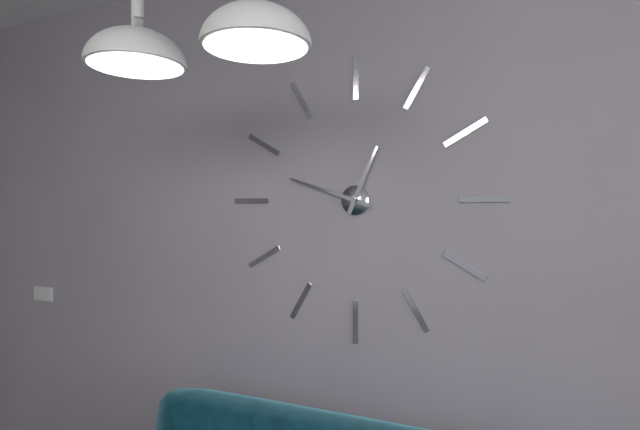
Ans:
h=12 m=48
